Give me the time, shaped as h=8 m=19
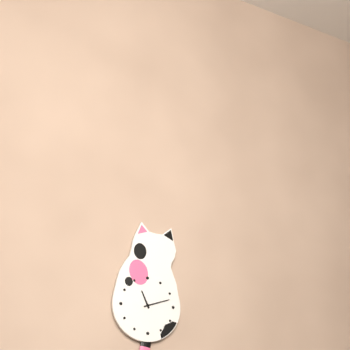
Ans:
h=11 m=12
